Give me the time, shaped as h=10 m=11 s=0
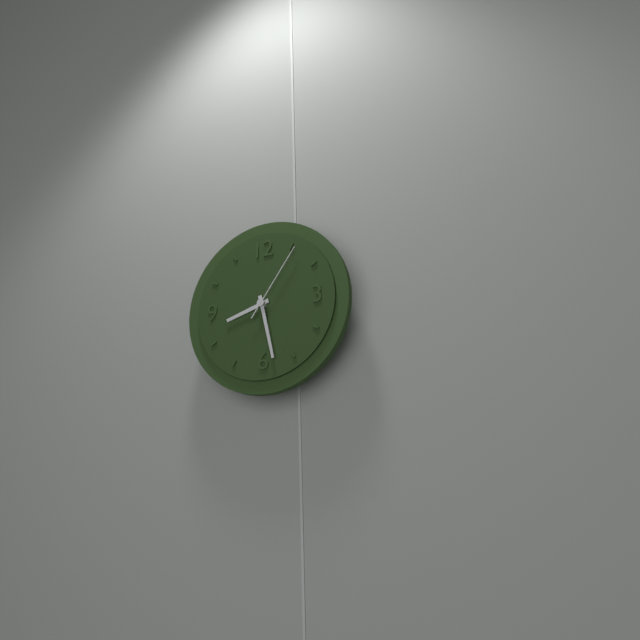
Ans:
h=8 m=28 s=6
